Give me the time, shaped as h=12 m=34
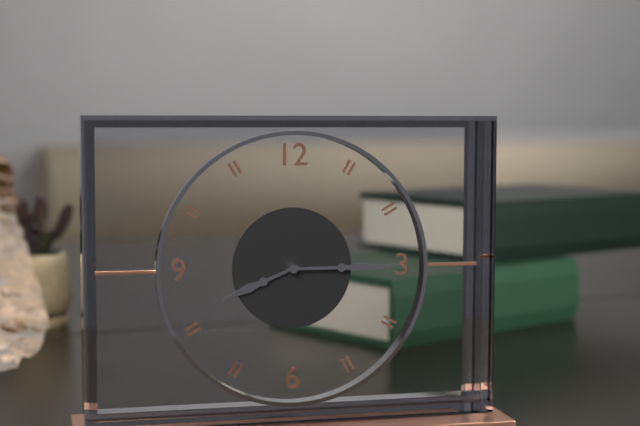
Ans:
h=8 m=15
